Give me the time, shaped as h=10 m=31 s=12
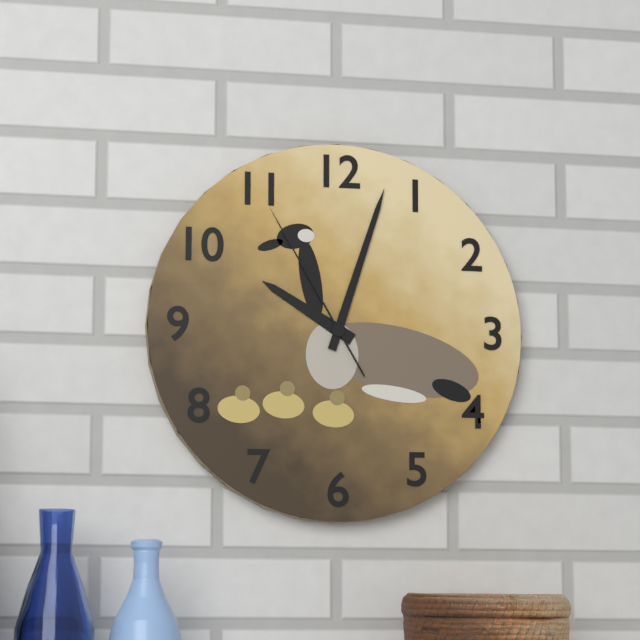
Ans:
h=10 m=3 s=55
